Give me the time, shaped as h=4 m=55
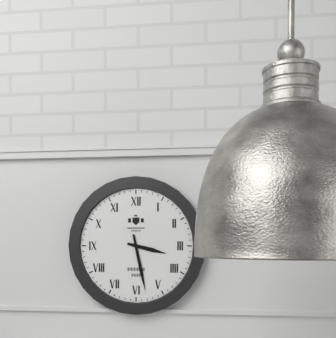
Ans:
h=3 m=28
